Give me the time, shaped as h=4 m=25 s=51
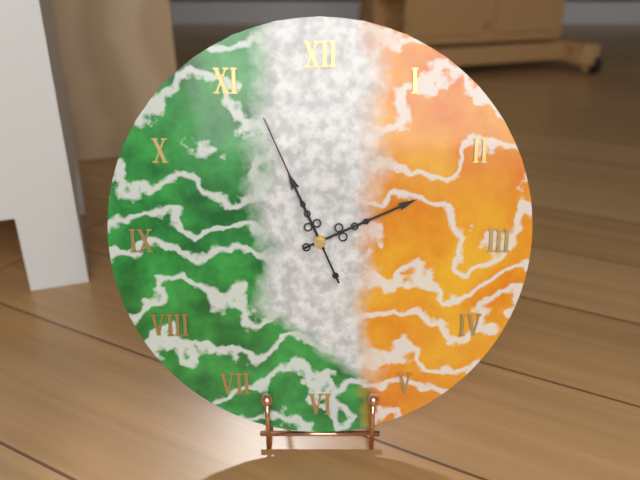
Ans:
h=11 m=11 s=56
